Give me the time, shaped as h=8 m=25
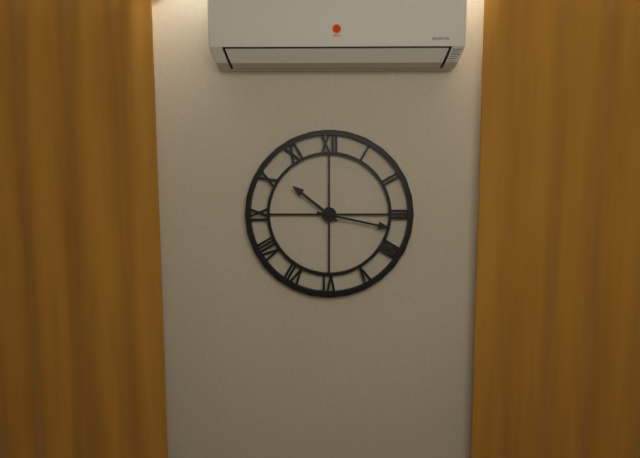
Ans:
h=10 m=17
